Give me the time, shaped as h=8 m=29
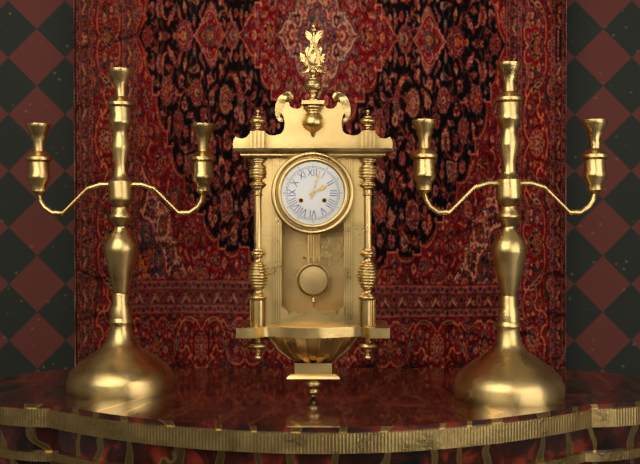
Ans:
h=2 m=3
